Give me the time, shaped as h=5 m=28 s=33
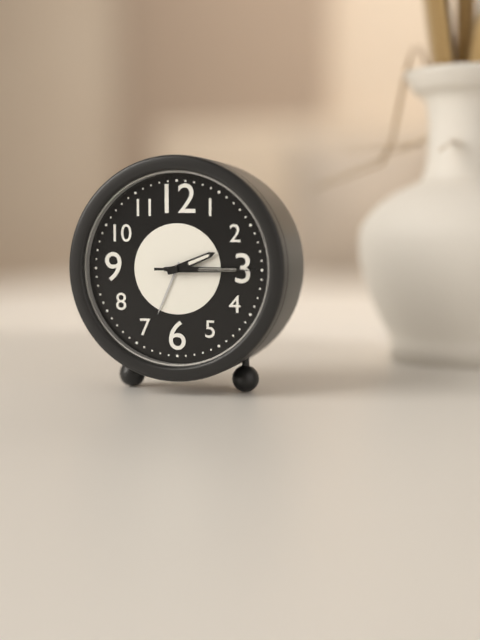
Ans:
h=2 m=15 s=15
